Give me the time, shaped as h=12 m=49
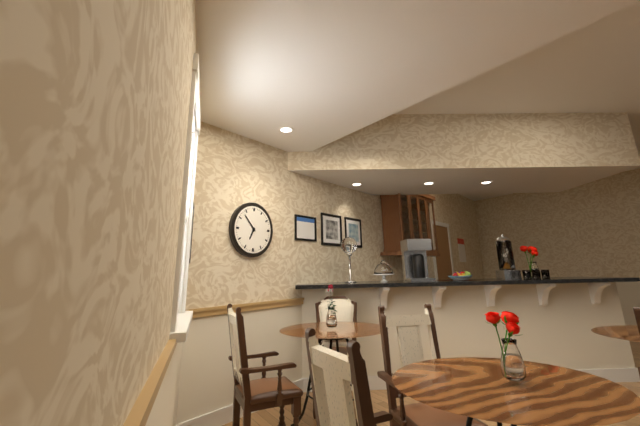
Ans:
h=6 m=53
